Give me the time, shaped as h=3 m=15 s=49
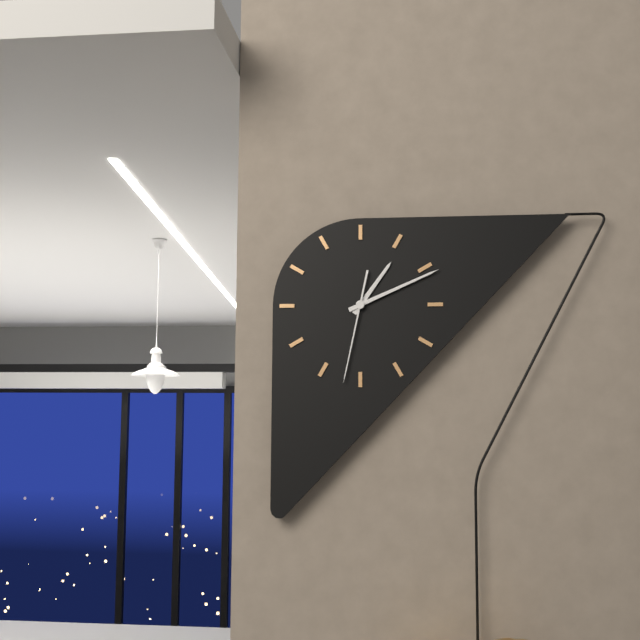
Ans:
h=1 m=11 s=32
